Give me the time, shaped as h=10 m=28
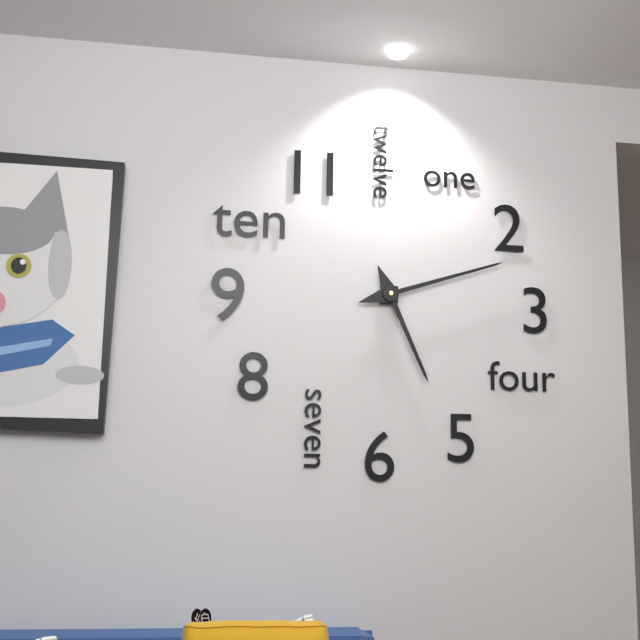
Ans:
h=5 m=12
